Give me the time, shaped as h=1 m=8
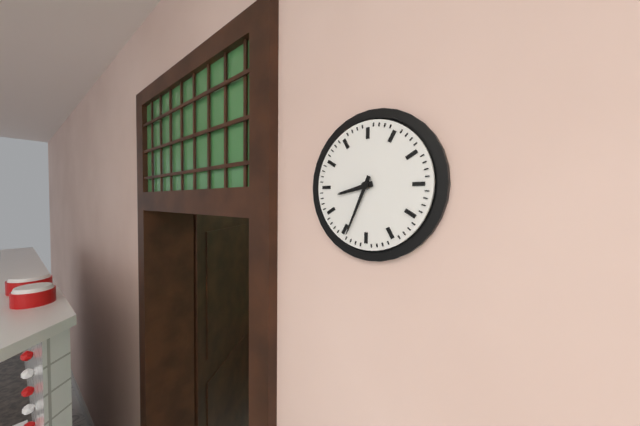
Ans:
h=8 m=34
